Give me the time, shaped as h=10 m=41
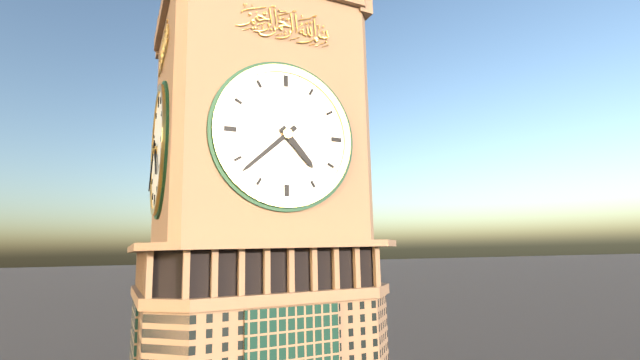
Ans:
h=4 m=38
